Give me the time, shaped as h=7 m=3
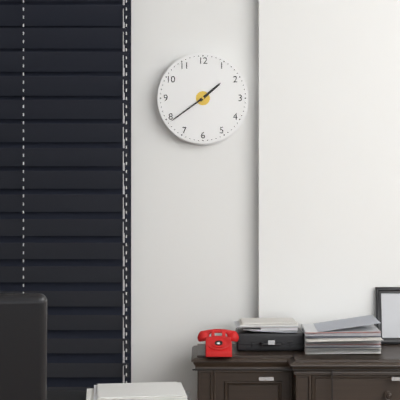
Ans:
h=1 m=39
